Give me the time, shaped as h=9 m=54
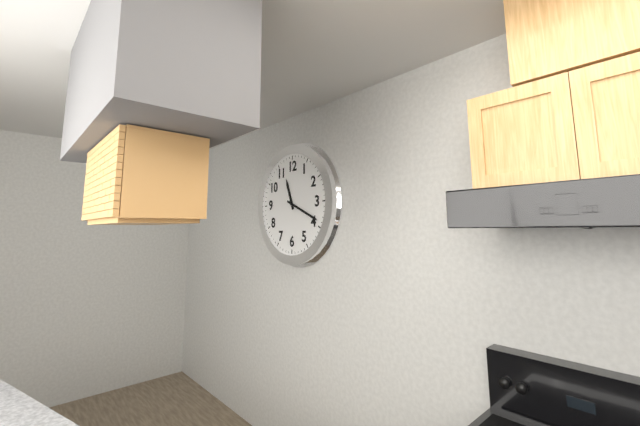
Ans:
h=11 m=19
